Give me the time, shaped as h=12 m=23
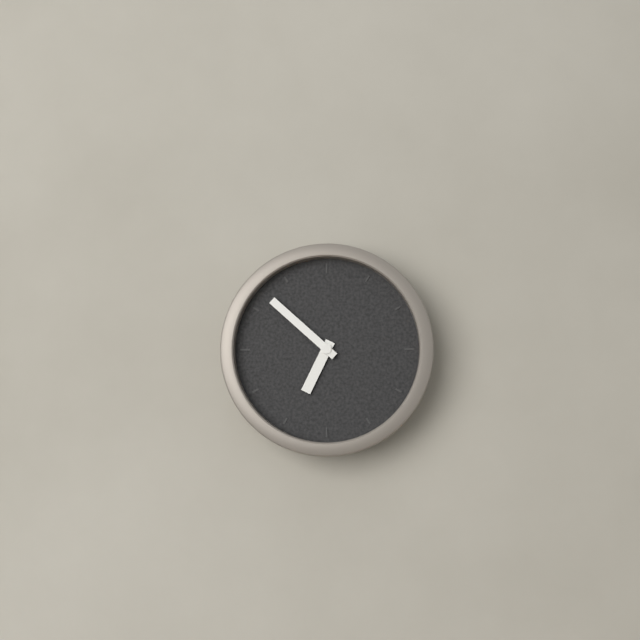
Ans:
h=6 m=52
